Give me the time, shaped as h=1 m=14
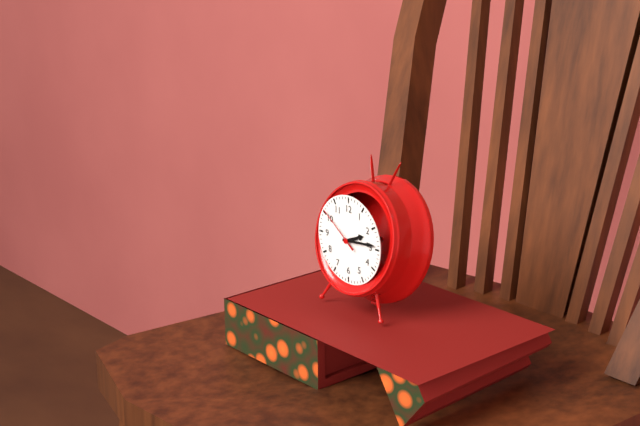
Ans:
h=2 m=14
